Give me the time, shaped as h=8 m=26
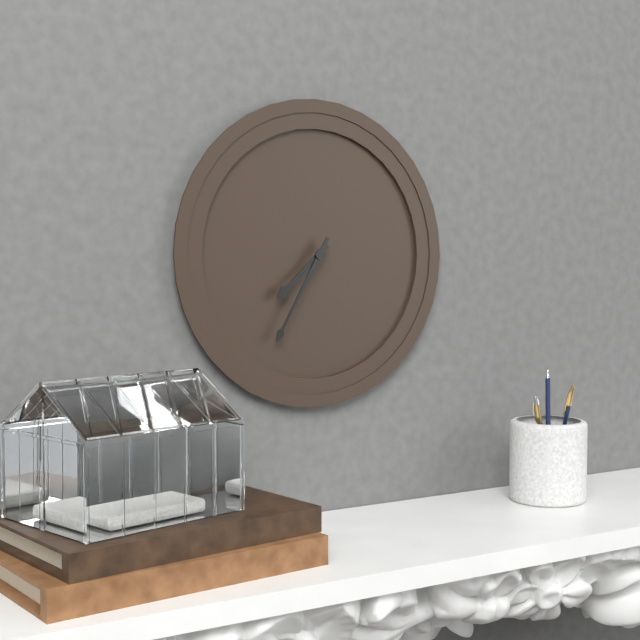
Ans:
h=7 m=35
